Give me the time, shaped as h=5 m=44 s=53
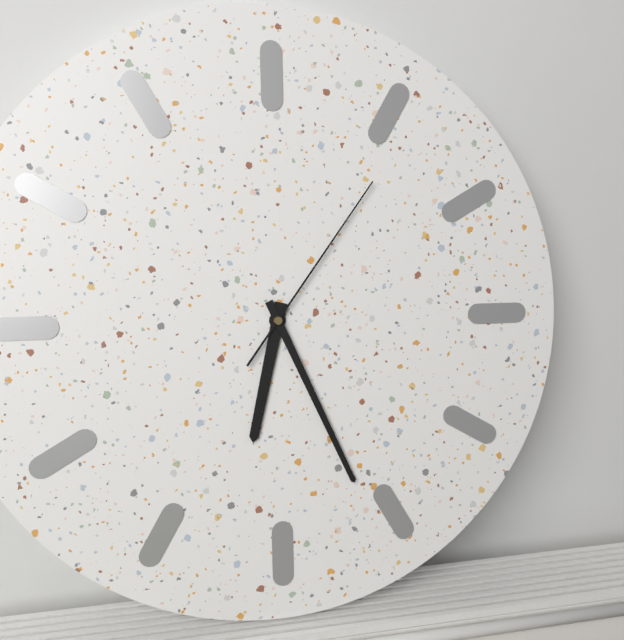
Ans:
h=6 m=26 s=6
